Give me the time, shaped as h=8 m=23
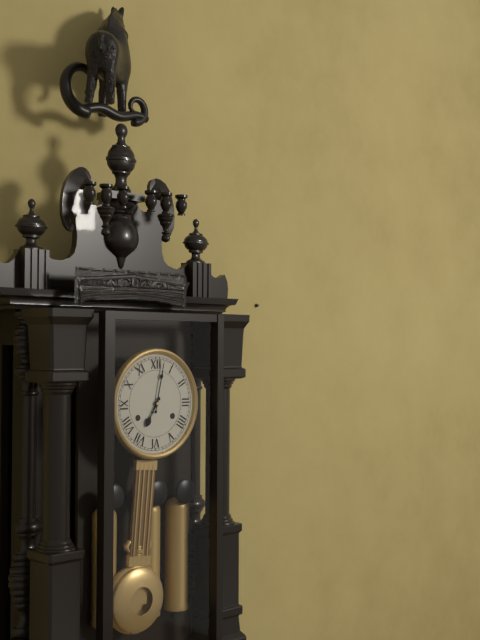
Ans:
h=7 m=2
